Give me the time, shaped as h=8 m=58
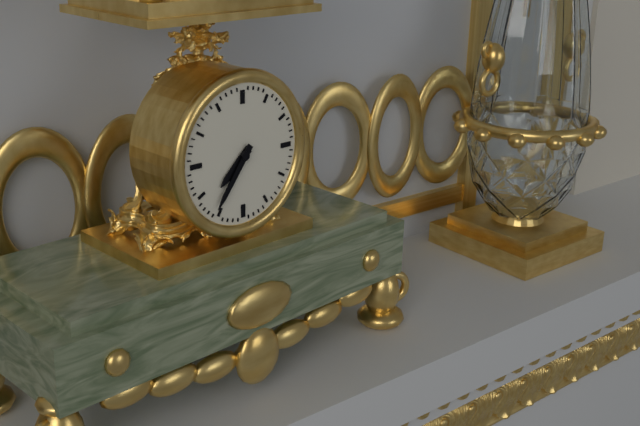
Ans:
h=7 m=36
